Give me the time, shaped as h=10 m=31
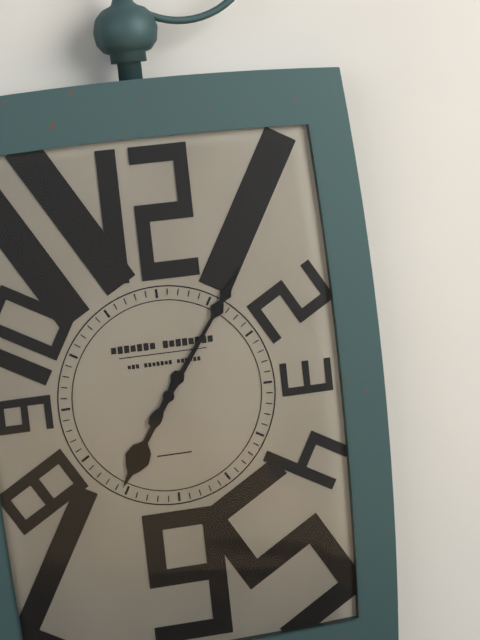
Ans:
h=7 m=6
